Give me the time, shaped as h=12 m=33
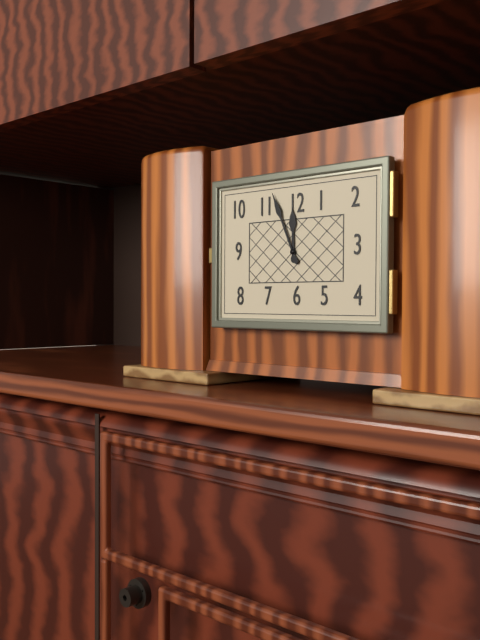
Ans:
h=11 m=56
